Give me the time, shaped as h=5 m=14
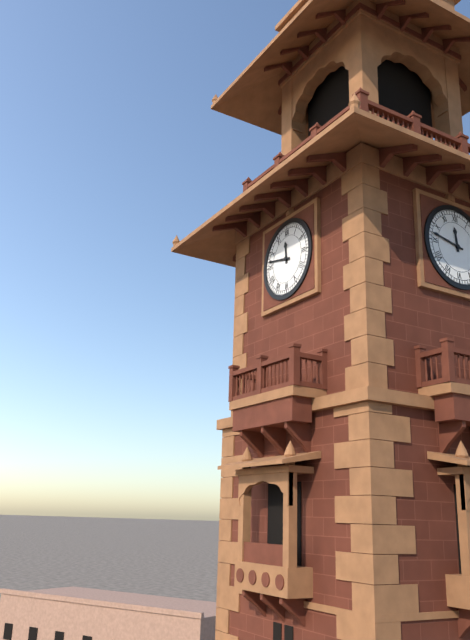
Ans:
h=11 m=47
